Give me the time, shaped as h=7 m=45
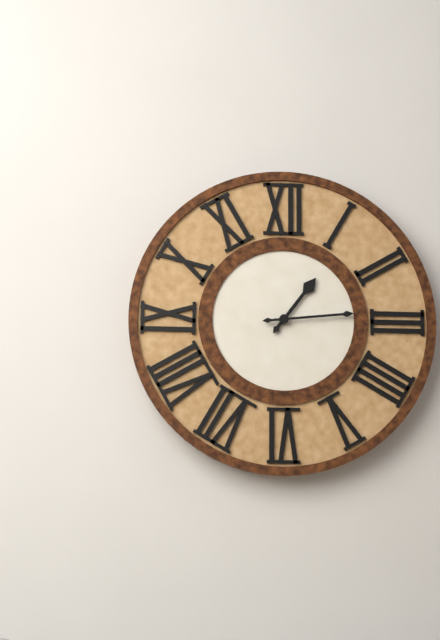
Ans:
h=1 m=14
